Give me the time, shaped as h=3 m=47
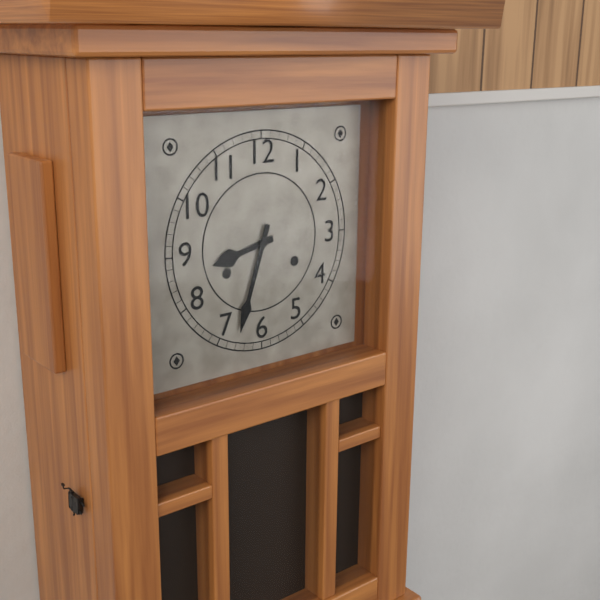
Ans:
h=8 m=33
